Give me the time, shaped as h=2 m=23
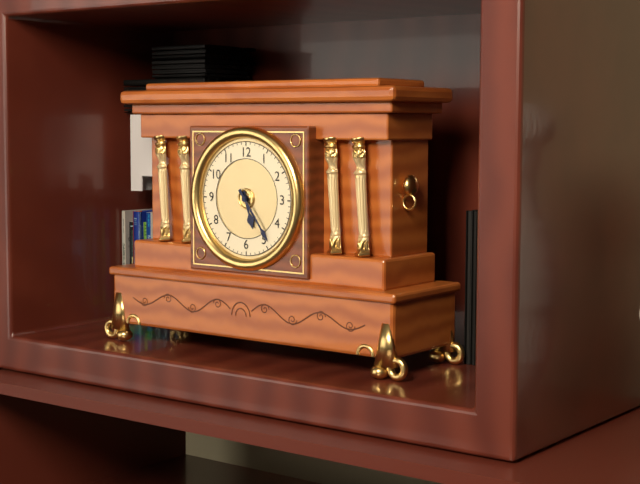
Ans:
h=5 m=24
